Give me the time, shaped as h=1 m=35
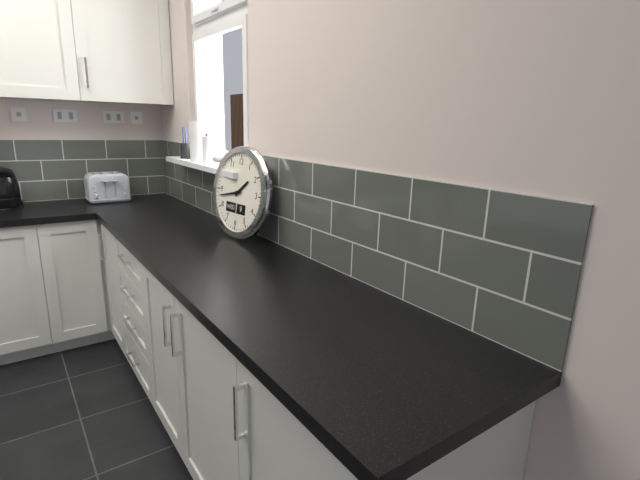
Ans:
h=1 m=43
